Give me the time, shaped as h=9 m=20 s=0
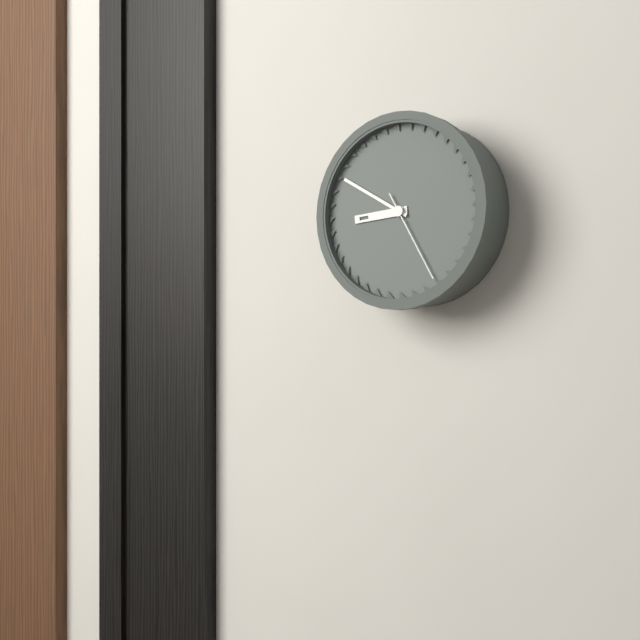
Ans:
h=8 m=50 s=25
